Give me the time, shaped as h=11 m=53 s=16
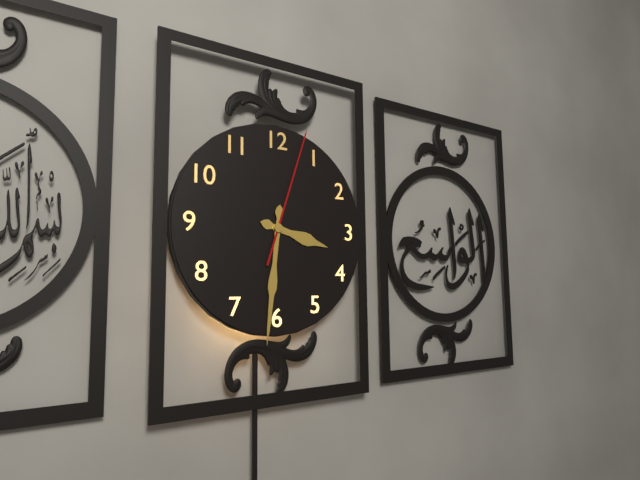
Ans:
h=3 m=31 s=3
